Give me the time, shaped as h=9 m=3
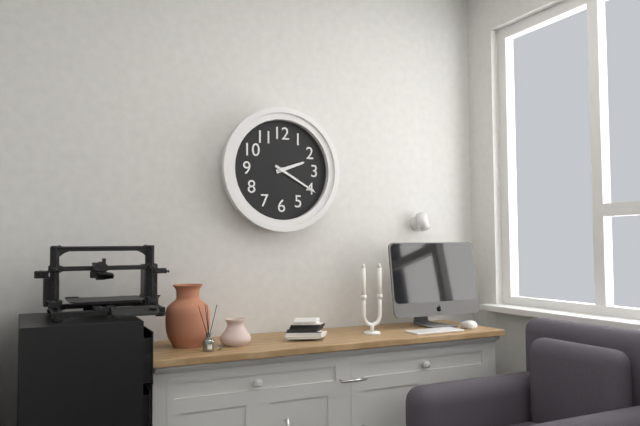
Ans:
h=2 m=20
